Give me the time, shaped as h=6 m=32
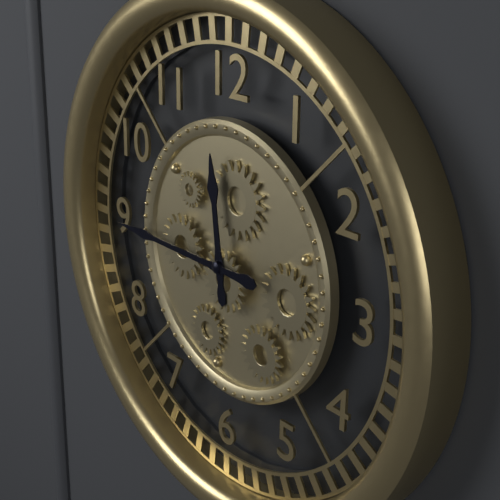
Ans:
h=11 m=45
